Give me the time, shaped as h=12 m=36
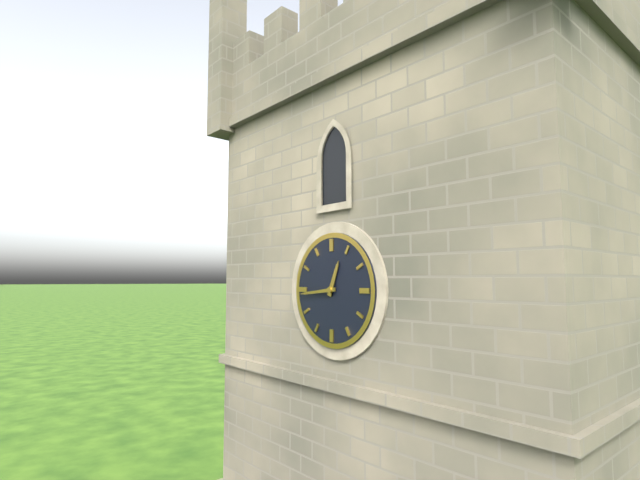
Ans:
h=12 m=44
